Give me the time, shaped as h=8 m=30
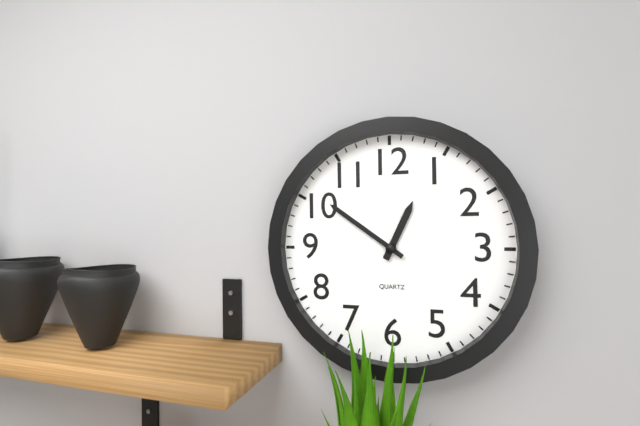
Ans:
h=12 m=51
